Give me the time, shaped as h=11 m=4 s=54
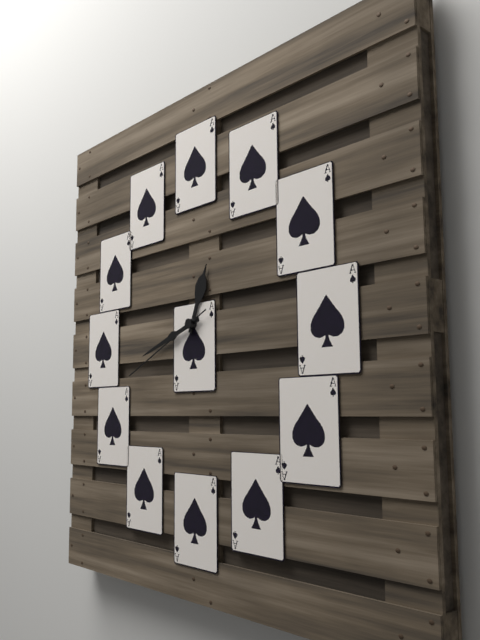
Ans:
h=12 m=42 s=41
